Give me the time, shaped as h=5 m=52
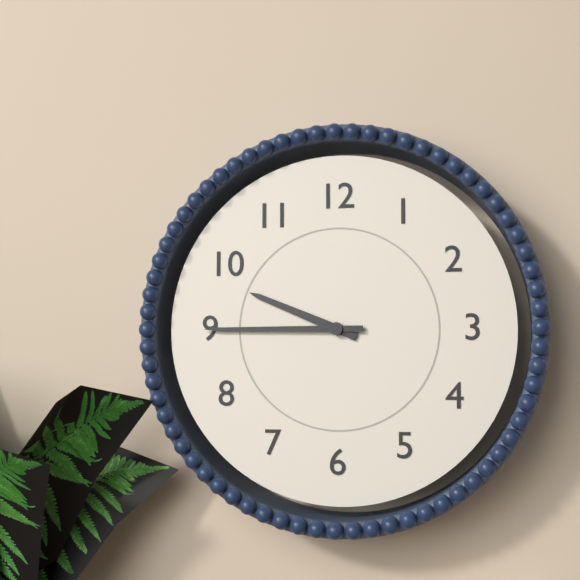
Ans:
h=9 m=45
